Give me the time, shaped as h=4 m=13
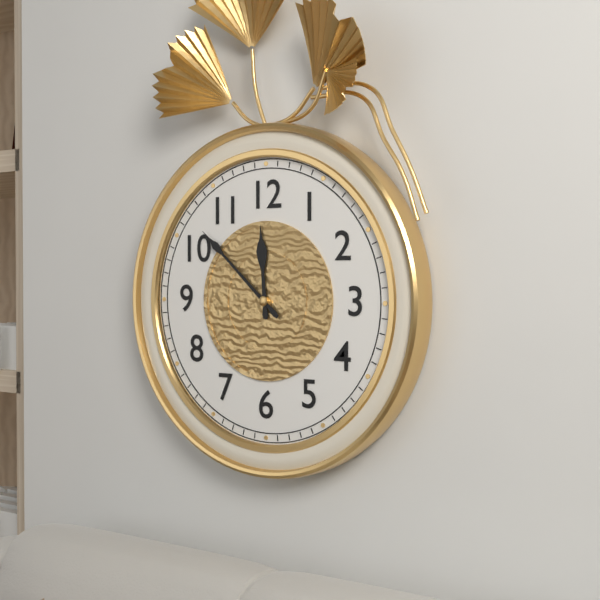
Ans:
h=11 m=52
